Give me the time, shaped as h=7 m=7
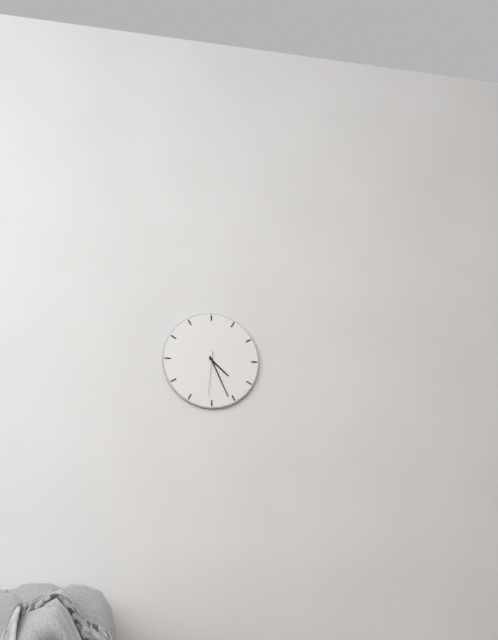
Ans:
h=4 m=26
